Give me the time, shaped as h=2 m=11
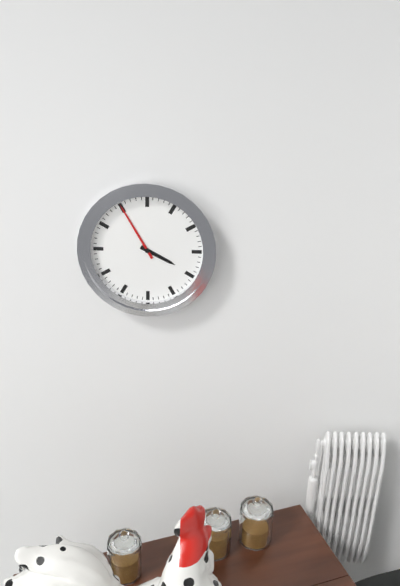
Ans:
h=3 m=55
